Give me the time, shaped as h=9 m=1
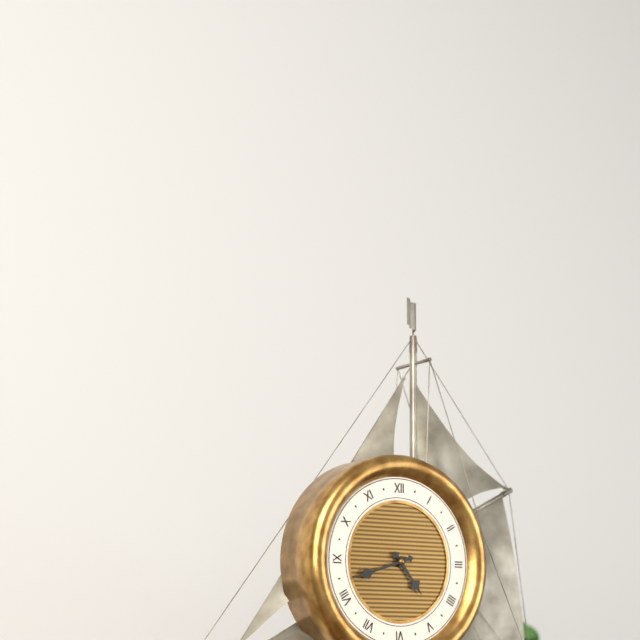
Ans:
h=4 m=42
